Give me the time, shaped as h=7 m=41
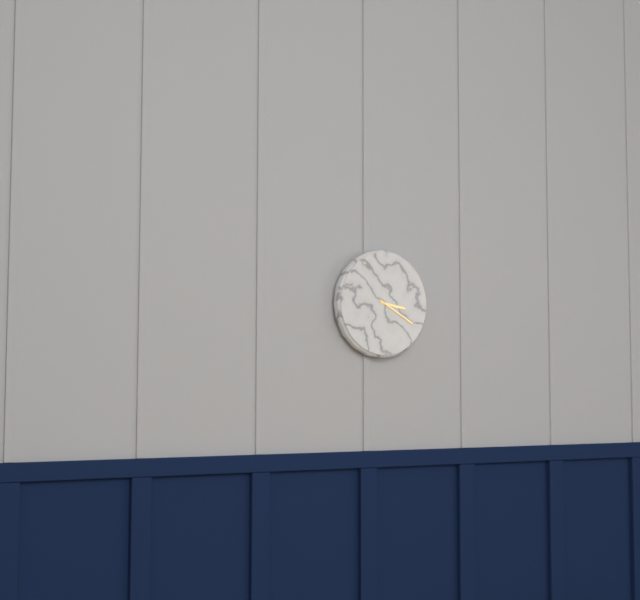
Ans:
h=3 m=20
